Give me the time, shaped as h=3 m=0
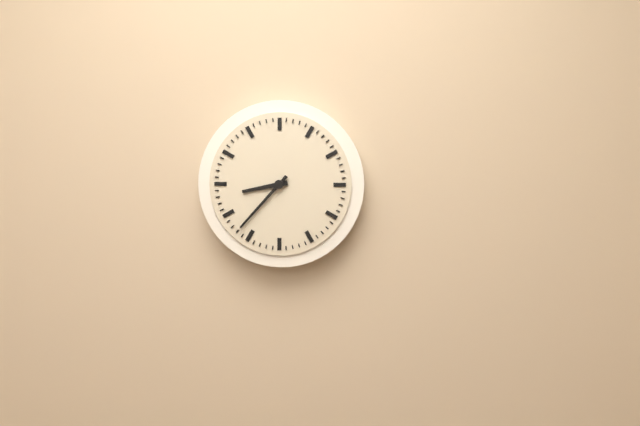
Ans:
h=8 m=37
